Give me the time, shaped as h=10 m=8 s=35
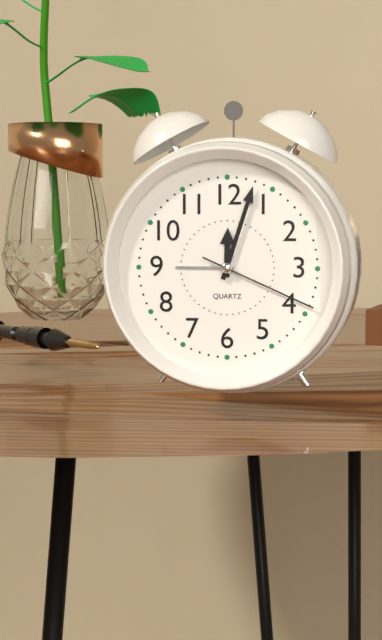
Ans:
h=12 m=3 s=19
